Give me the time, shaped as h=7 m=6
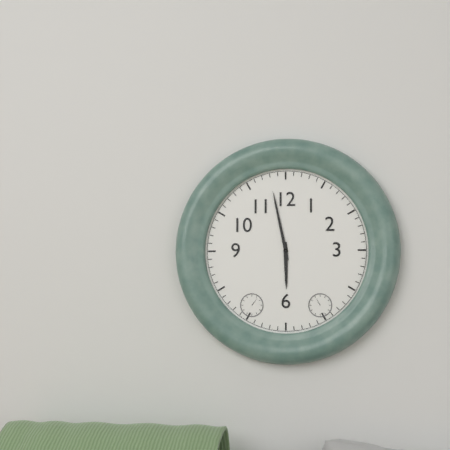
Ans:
h=5 m=58
